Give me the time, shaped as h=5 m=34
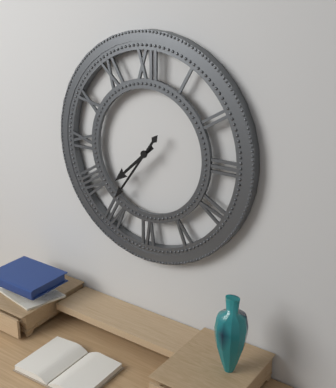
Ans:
h=7 m=36
